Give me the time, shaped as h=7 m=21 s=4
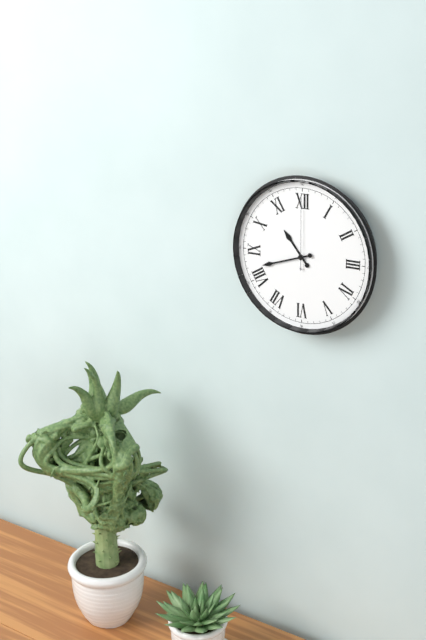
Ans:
h=10 m=42 s=0
